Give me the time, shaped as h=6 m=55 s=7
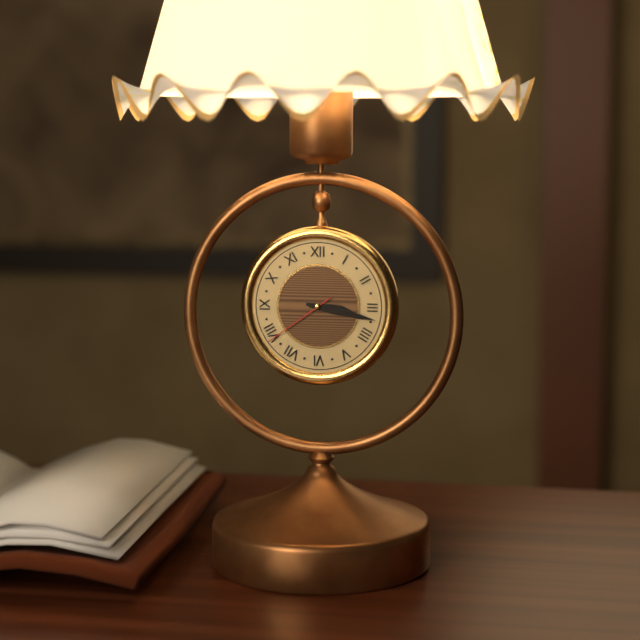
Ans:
h=3 m=17 s=39
